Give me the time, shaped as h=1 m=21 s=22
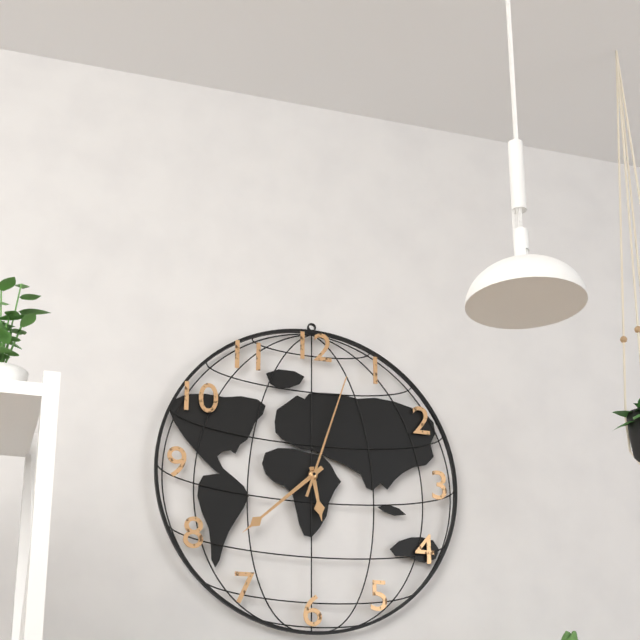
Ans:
h=5 m=38 s=3
